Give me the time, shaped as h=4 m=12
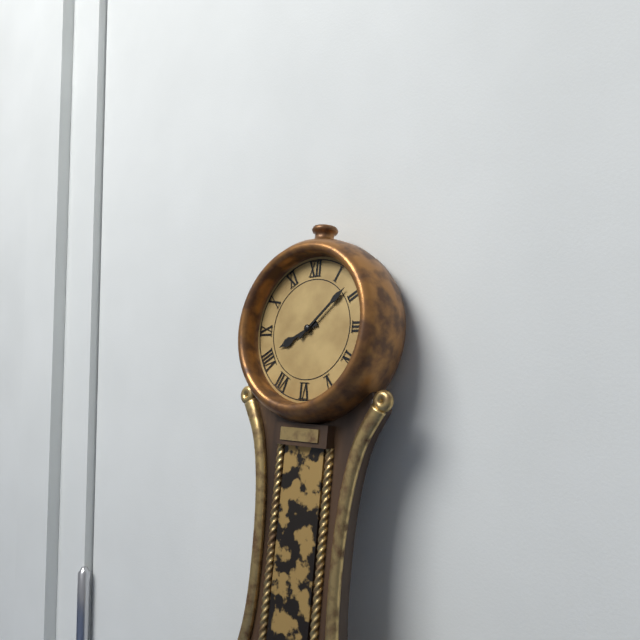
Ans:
h=8 m=8
